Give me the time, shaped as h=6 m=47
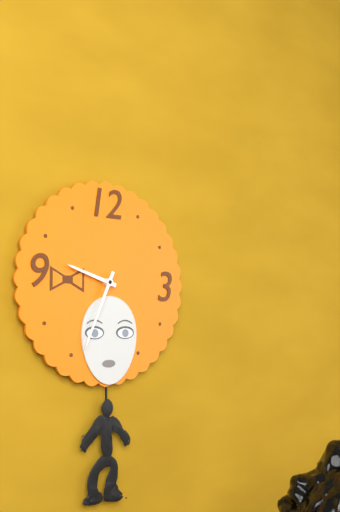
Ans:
h=9 m=34
